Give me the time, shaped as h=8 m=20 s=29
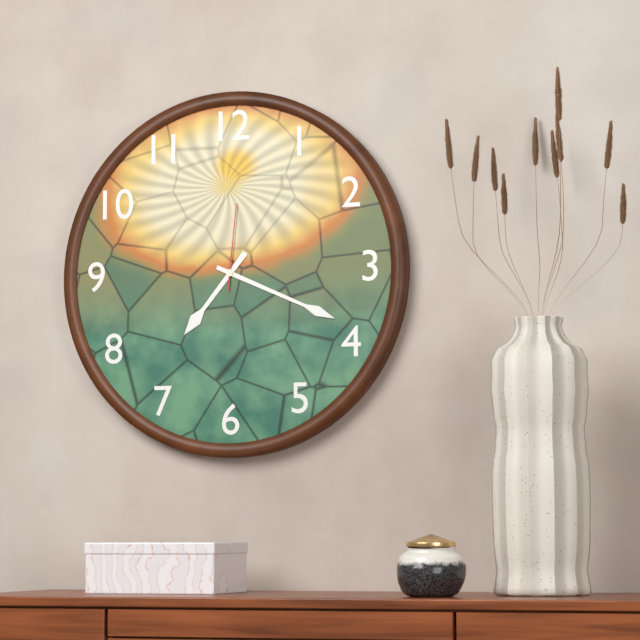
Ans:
h=7 m=19 s=1
